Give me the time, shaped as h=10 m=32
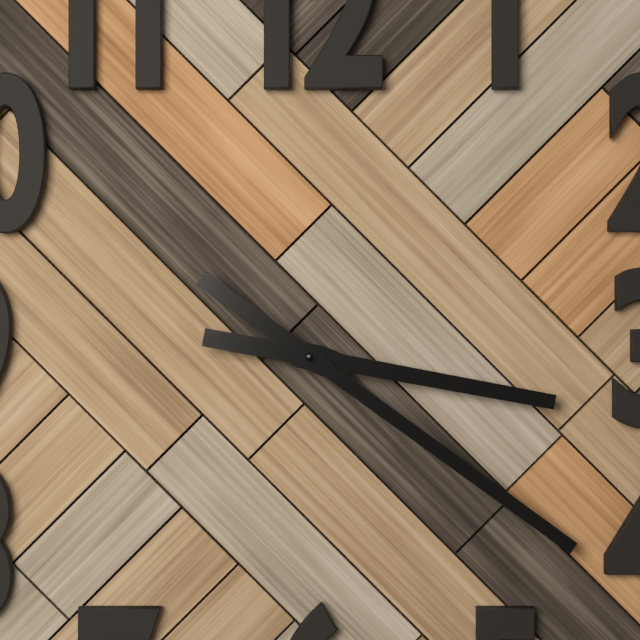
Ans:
h=3 m=21
